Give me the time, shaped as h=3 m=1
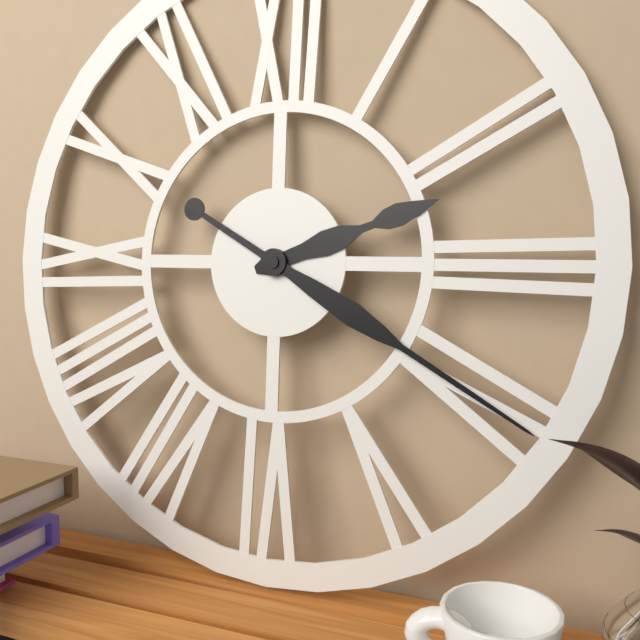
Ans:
h=2 m=20
